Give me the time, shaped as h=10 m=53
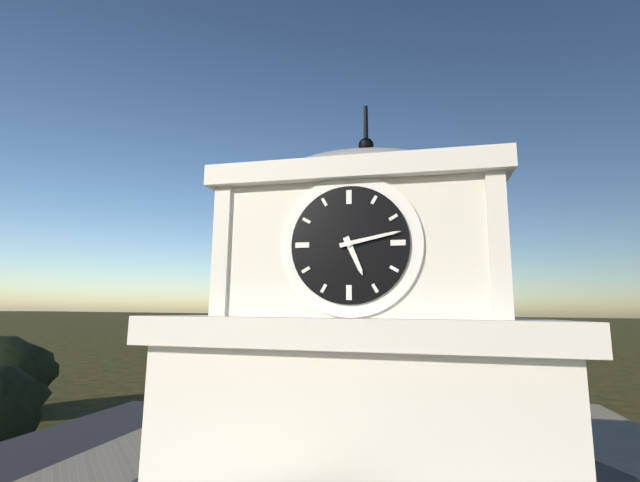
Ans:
h=5 m=13
